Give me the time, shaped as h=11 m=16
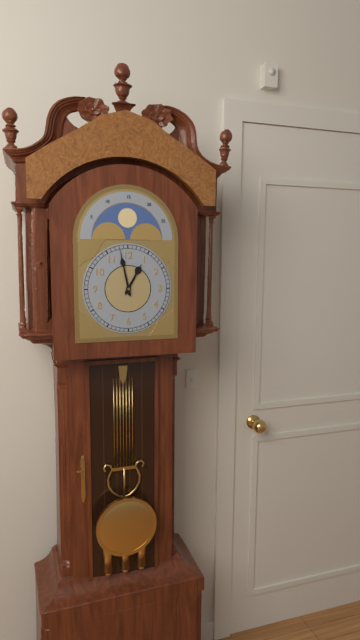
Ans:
h=12 m=58
